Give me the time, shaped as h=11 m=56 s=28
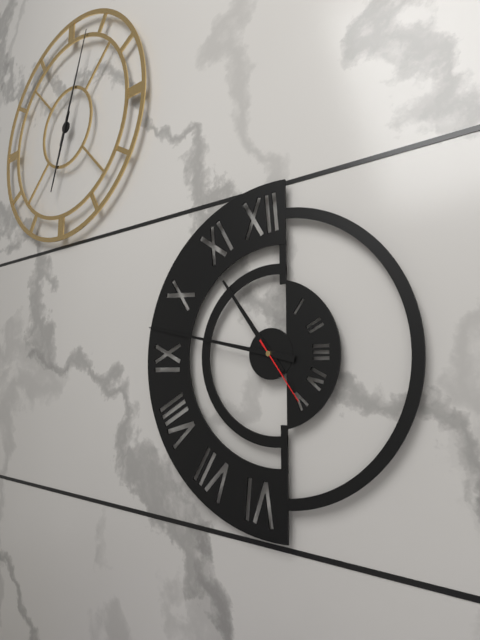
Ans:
h=10 m=47 s=24
